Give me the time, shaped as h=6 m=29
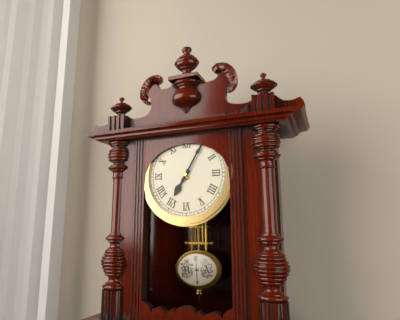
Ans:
h=7 m=5
